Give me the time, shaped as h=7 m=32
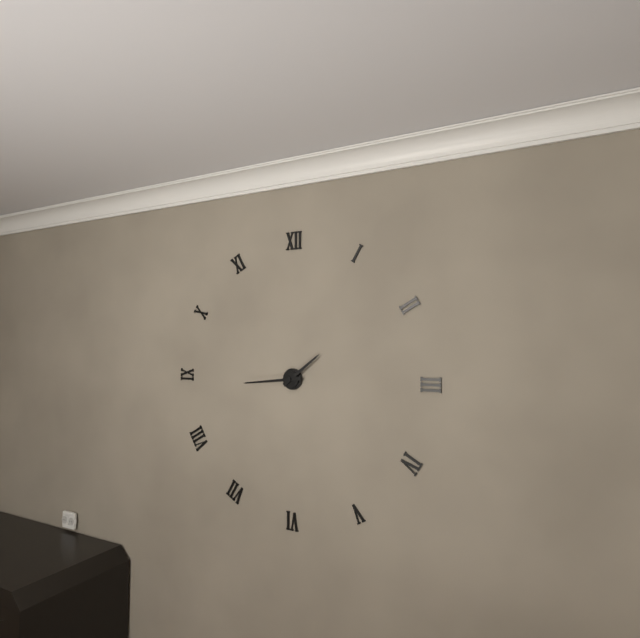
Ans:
h=1 m=44
